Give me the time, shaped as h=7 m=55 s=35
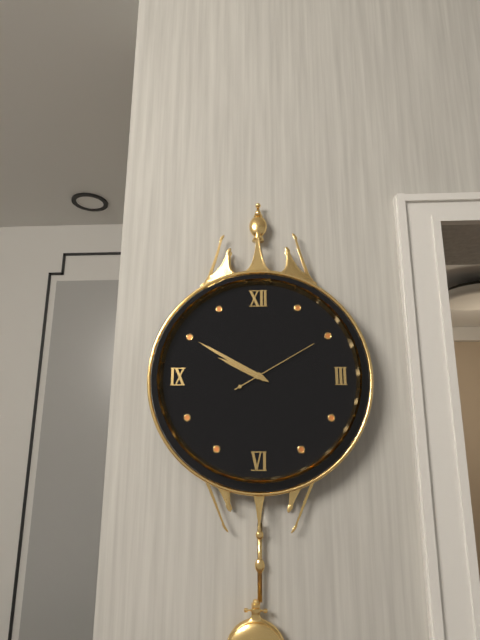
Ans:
h=9 m=50 s=10
